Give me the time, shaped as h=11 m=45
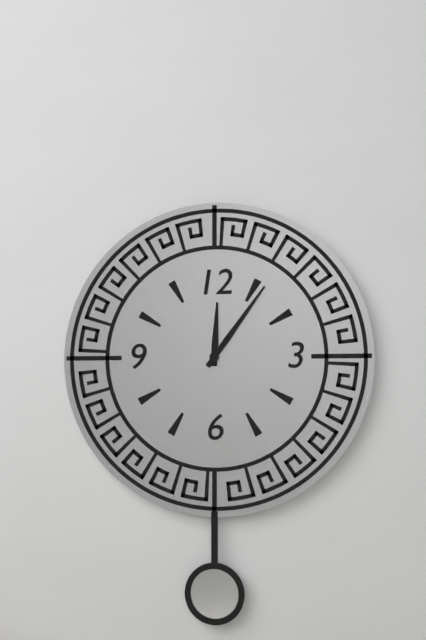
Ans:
h=12 m=6
